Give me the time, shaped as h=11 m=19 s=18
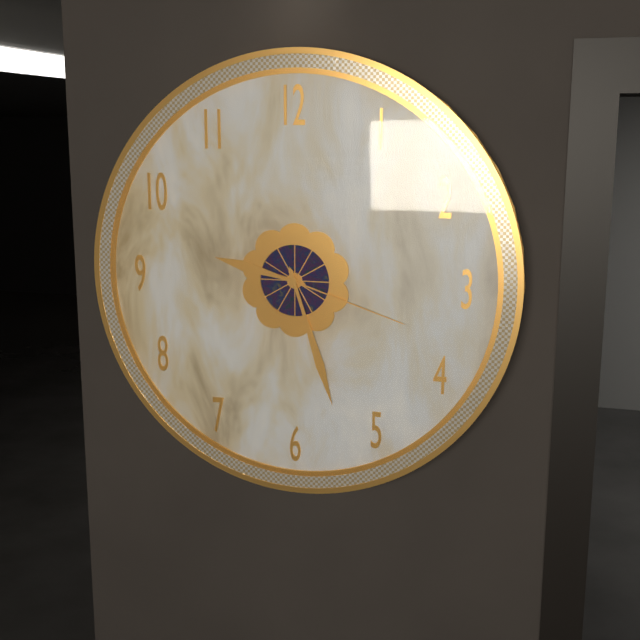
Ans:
h=9 m=27 s=18
